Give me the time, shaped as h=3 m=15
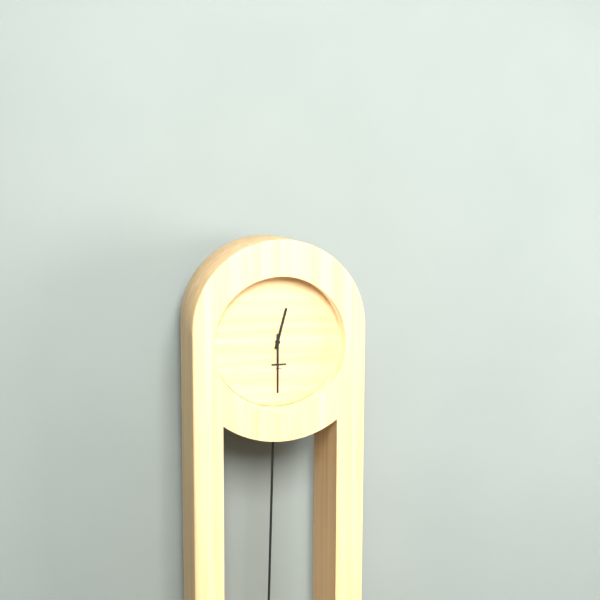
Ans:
h=12 m=30
